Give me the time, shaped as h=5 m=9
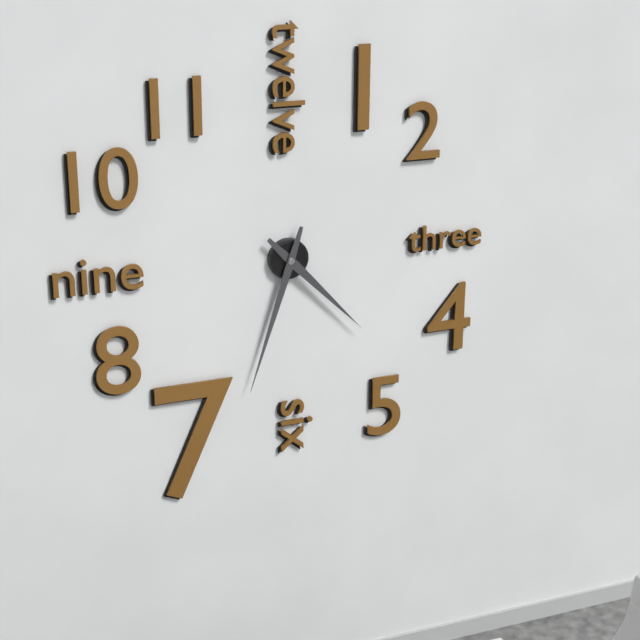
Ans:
h=4 m=33
